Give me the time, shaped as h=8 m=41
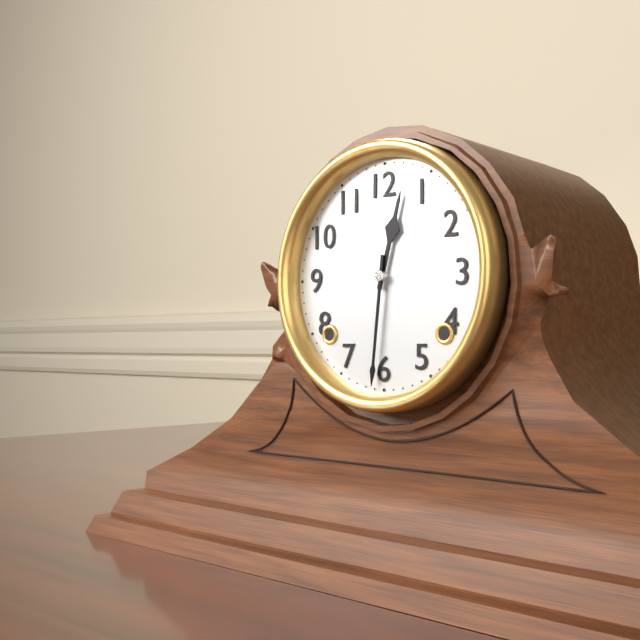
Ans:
h=12 m=31
